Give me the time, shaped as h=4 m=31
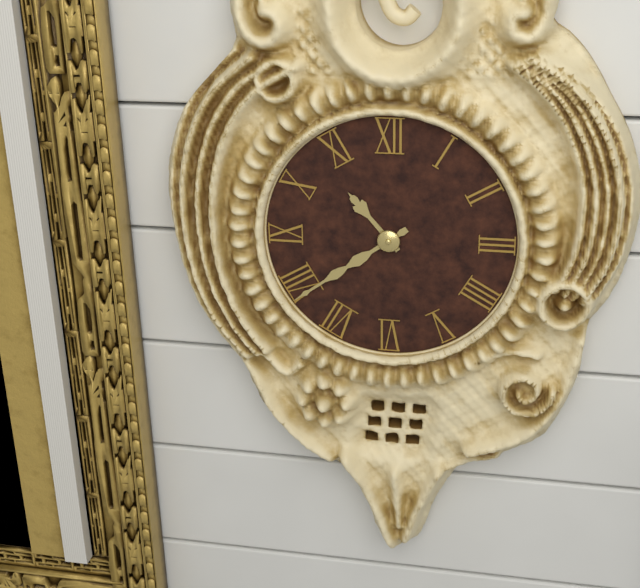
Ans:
h=10 m=39
